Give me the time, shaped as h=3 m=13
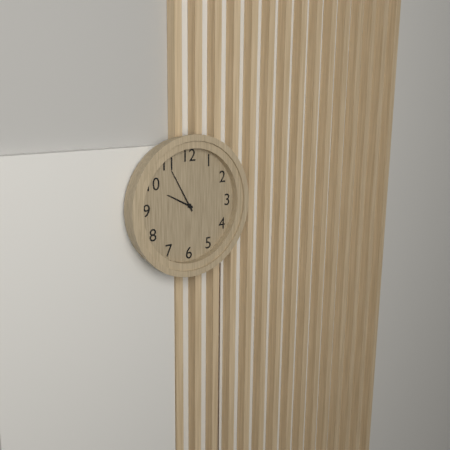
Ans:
h=9 m=55
